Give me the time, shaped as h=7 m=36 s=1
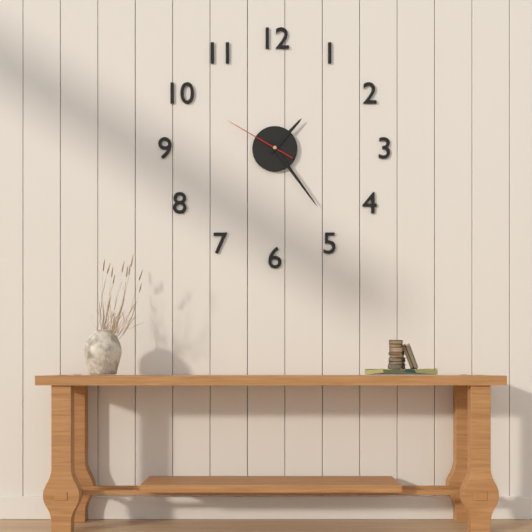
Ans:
h=1 m=24 s=50
